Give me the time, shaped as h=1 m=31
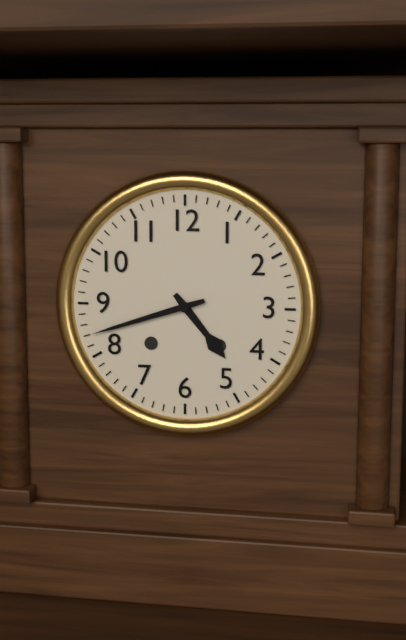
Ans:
h=4 m=42
